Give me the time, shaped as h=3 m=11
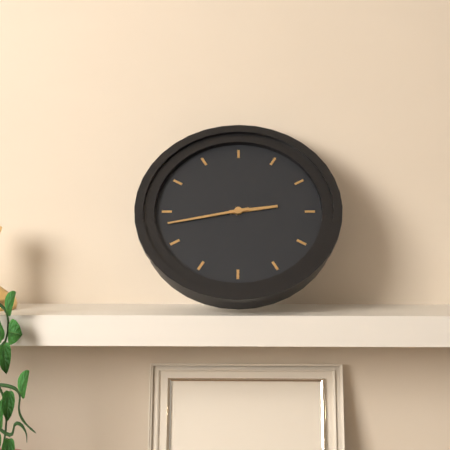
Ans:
h=2 m=43
